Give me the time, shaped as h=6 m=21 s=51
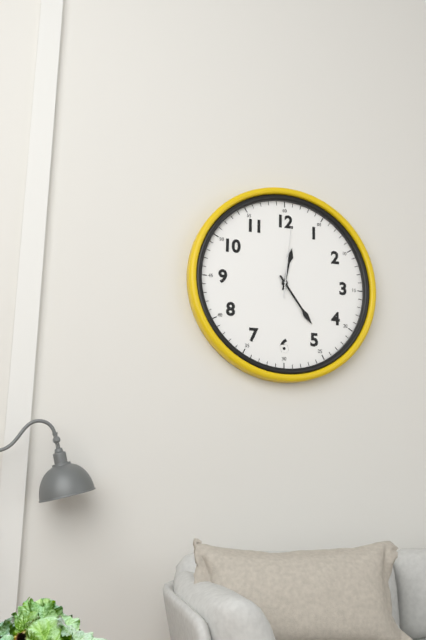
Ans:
h=12 m=24 s=1
